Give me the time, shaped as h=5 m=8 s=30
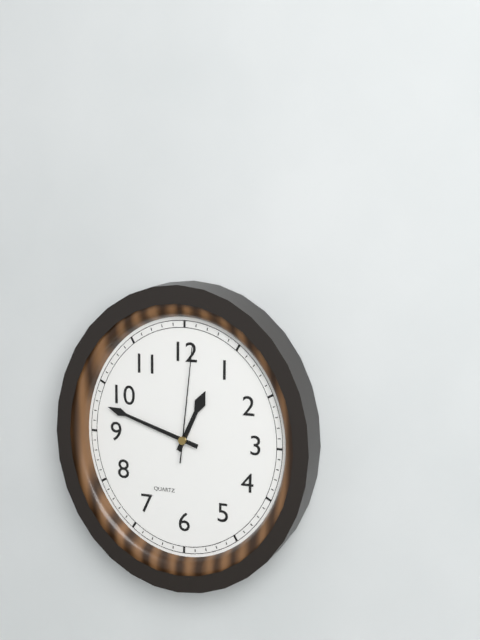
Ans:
h=12 m=48 s=1
